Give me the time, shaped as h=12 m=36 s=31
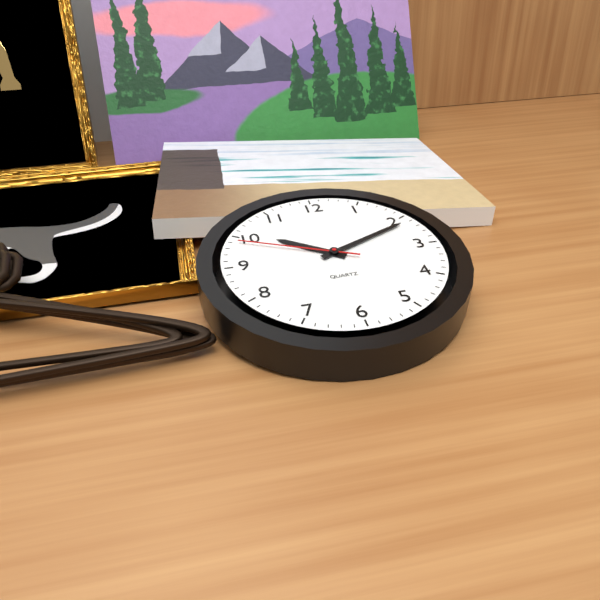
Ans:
h=10 m=11 s=49
